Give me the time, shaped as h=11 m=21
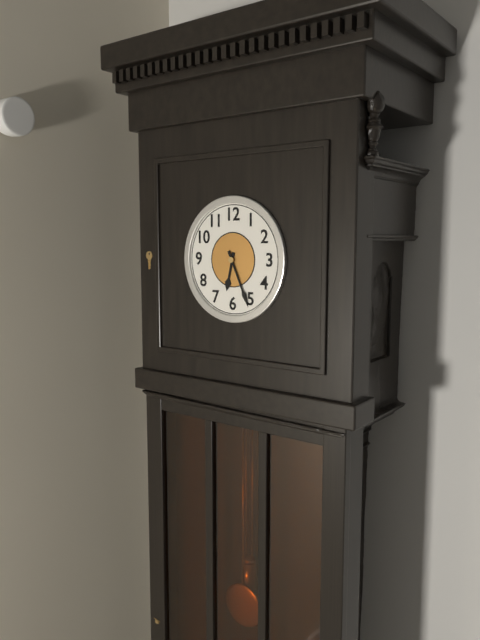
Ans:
h=6 m=26
